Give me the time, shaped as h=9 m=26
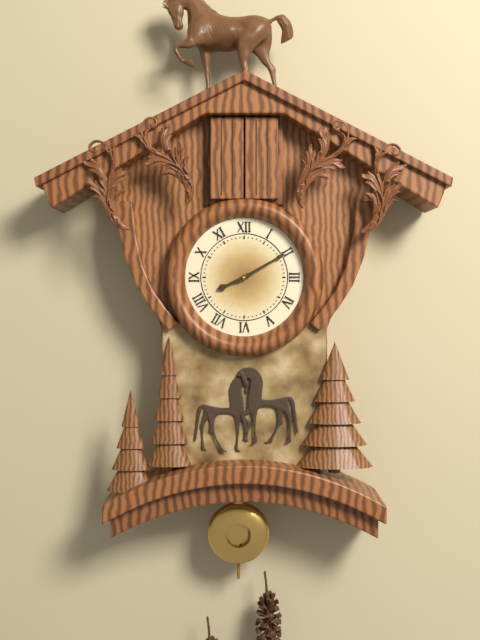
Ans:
h=8 m=10
